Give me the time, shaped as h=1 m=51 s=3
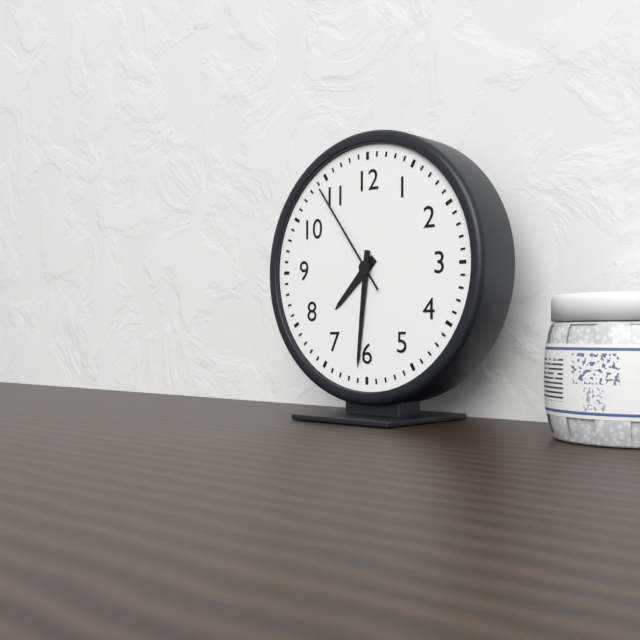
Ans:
h=7 m=31 s=54
